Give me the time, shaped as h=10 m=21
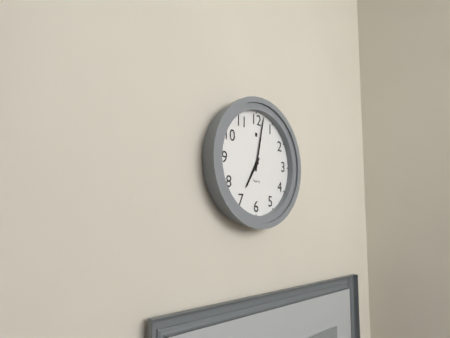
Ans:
h=7 m=2
